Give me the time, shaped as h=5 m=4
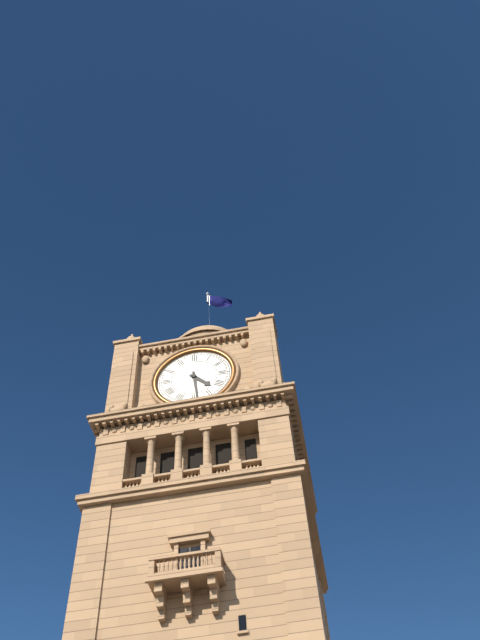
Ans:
h=4 m=29
